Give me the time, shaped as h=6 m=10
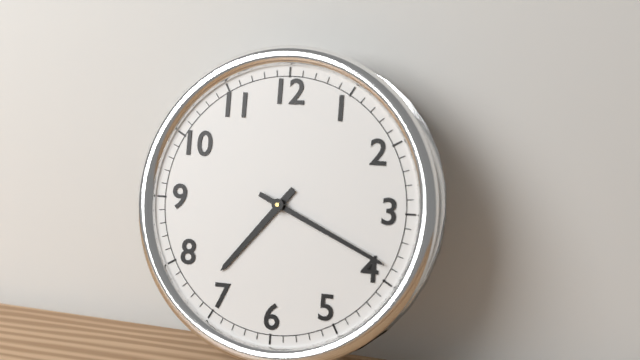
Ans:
h=7 m=19
